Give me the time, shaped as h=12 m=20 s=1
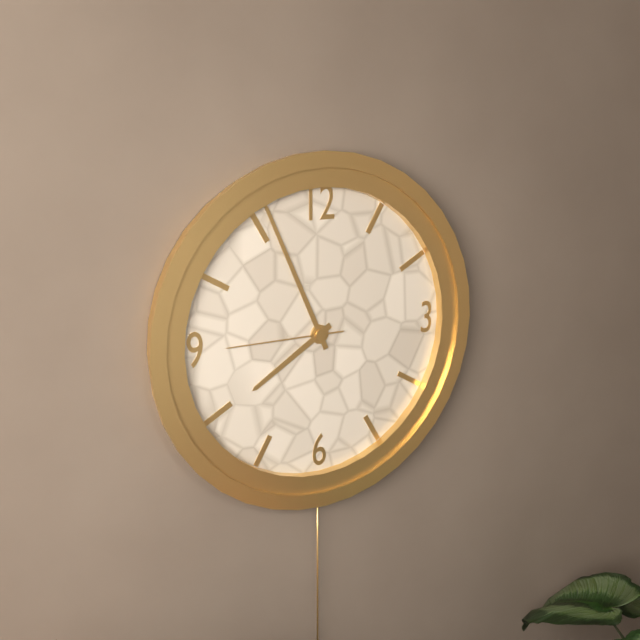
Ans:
h=7 m=56 s=45
